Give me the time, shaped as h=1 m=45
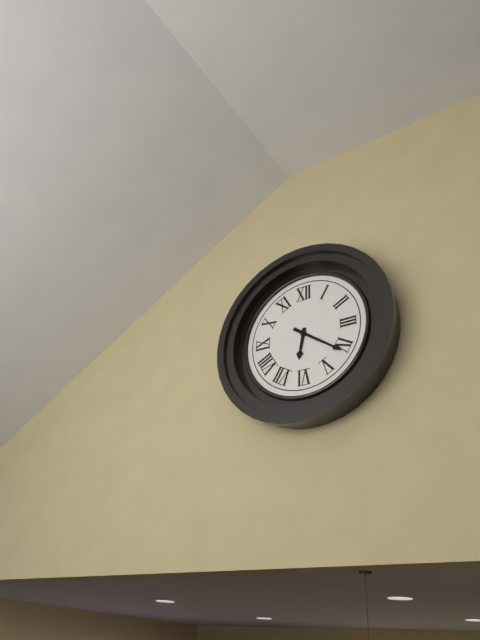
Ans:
h=6 m=21
